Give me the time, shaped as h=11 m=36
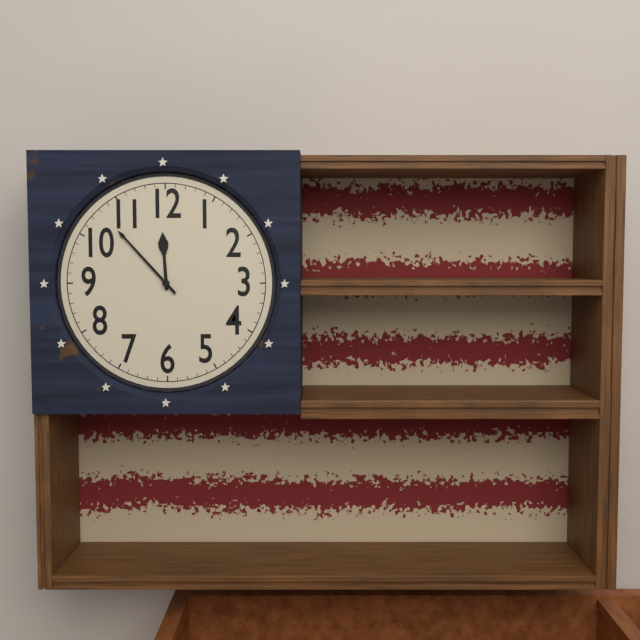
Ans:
h=11 m=53
